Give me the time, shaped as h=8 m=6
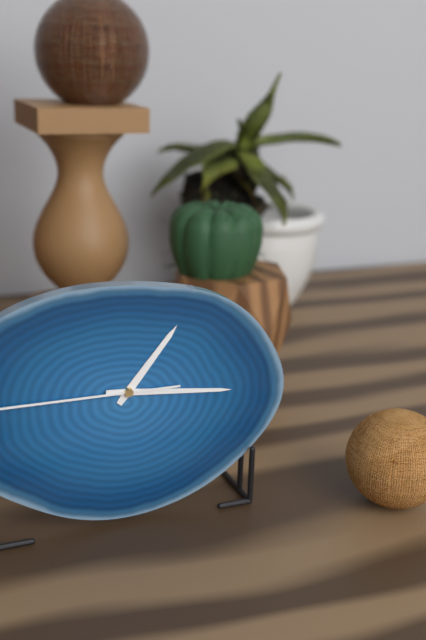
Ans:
h=1 m=16
